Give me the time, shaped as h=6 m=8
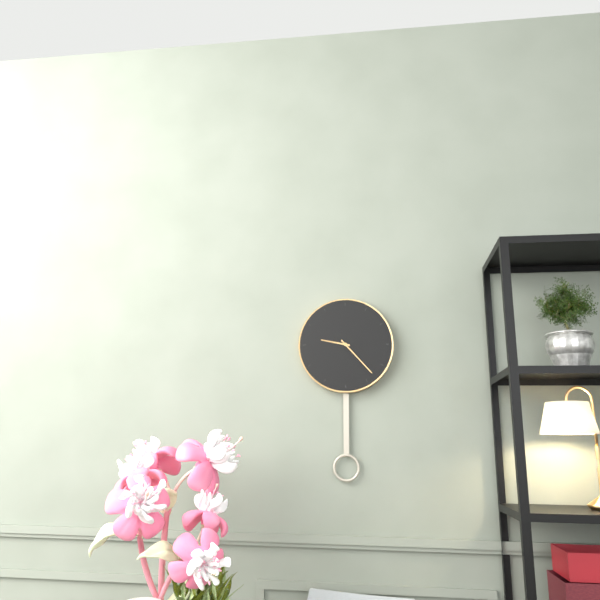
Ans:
h=9 m=23
